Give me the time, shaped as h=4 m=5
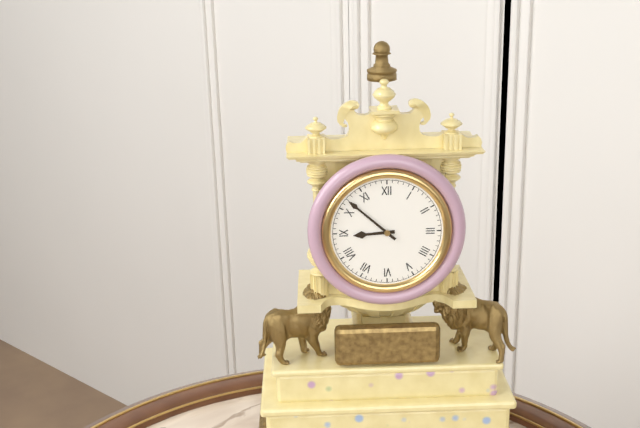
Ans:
h=8 m=52
